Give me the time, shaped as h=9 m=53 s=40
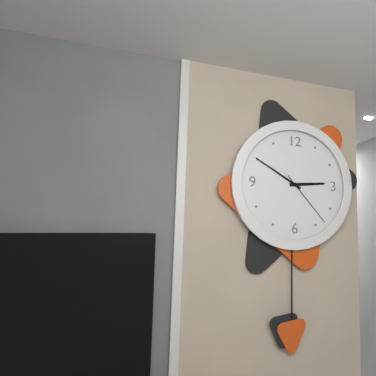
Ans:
h=2 m=50 s=23
